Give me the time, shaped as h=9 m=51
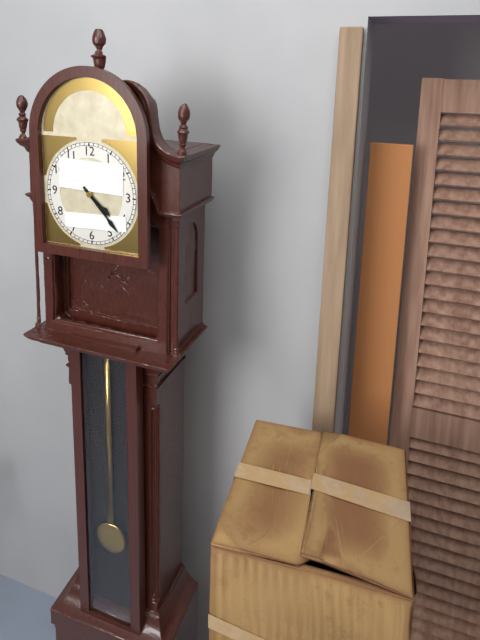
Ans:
h=4 m=23
